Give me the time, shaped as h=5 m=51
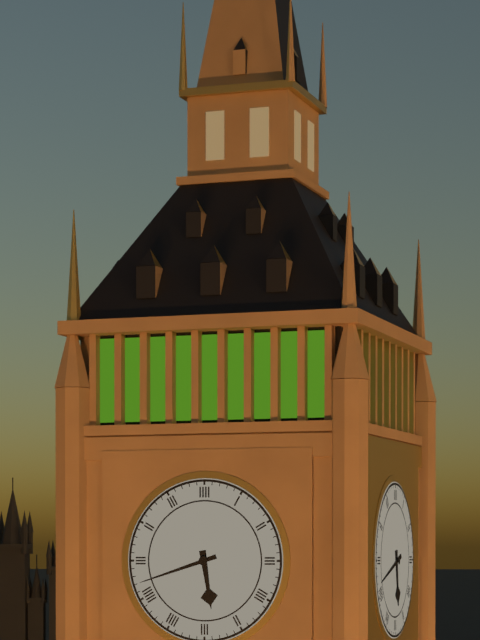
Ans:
h=5 m=42
